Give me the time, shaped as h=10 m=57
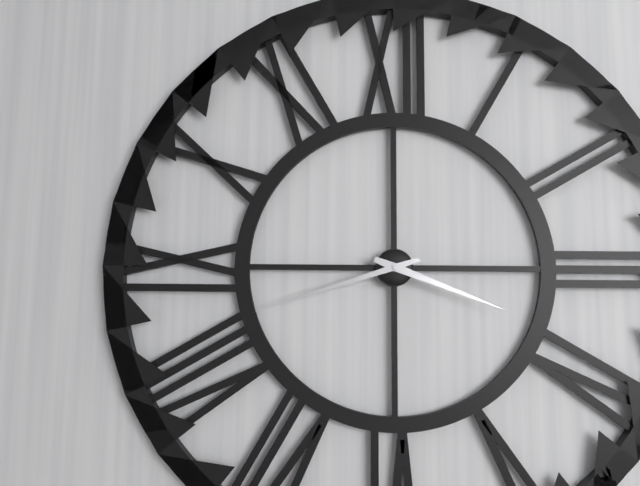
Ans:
h=3 m=42
